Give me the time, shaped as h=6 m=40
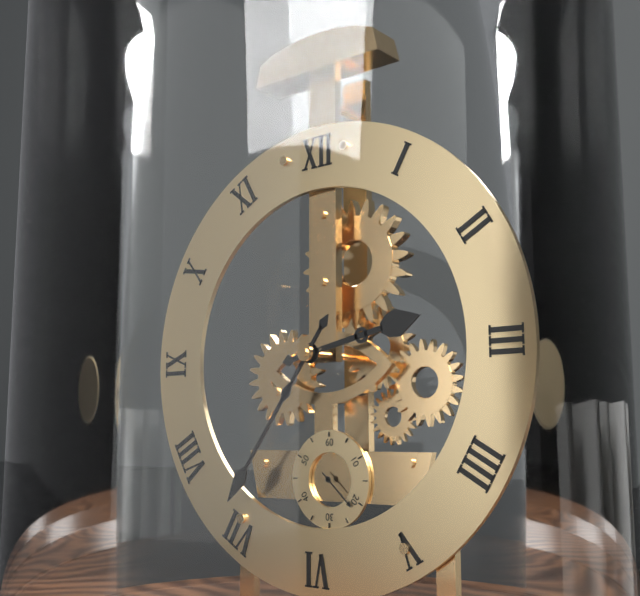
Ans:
h=2 m=36
